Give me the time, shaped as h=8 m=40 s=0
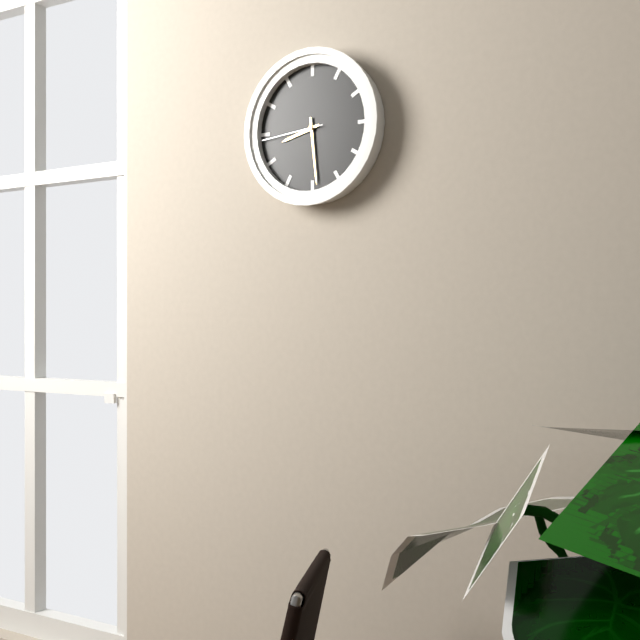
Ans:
h=8 m=29 s=44
